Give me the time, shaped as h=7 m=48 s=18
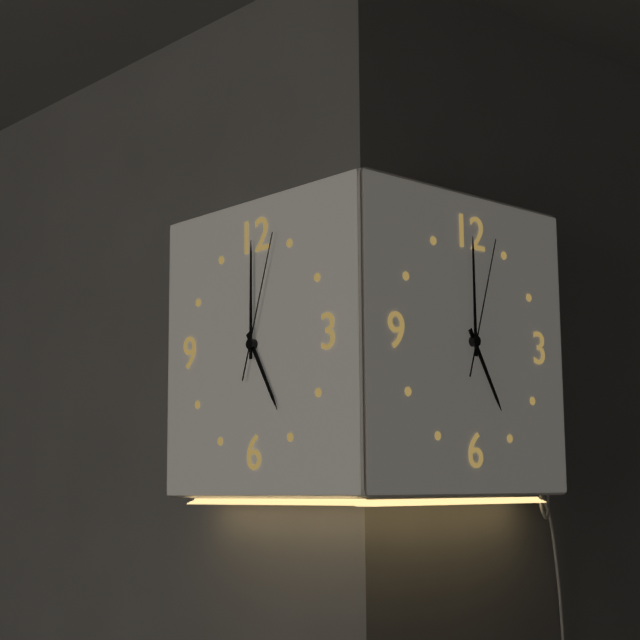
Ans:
h=5 m=0 s=3
